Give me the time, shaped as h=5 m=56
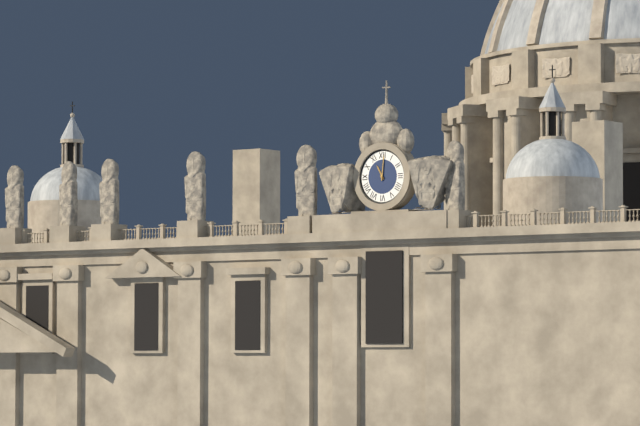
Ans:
h=11 m=1
